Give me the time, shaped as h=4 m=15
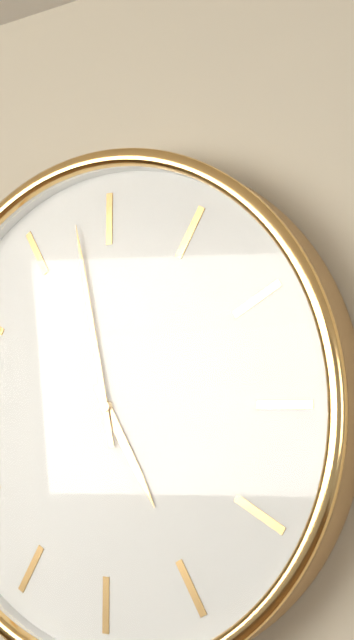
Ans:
h=4 m=58
